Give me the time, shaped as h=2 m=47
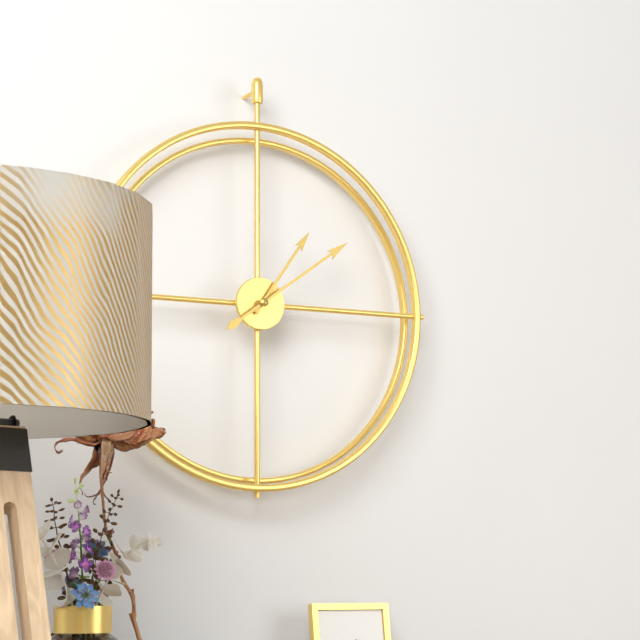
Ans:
h=1 m=9
